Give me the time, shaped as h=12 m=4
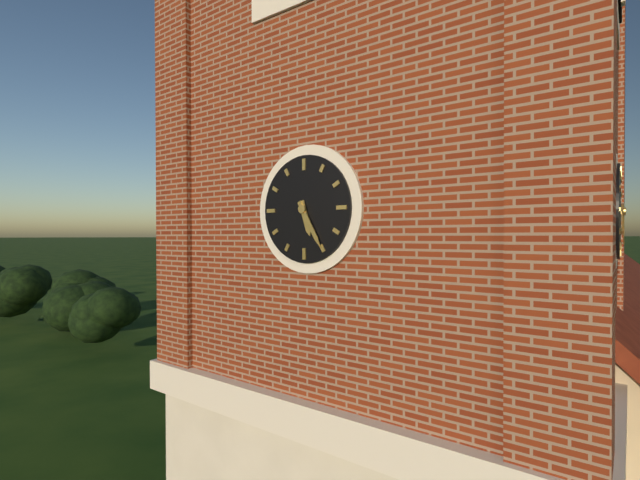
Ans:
h=5 m=25
